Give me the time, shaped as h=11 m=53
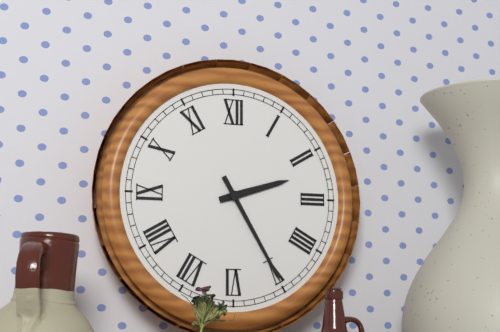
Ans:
h=2 m=25
